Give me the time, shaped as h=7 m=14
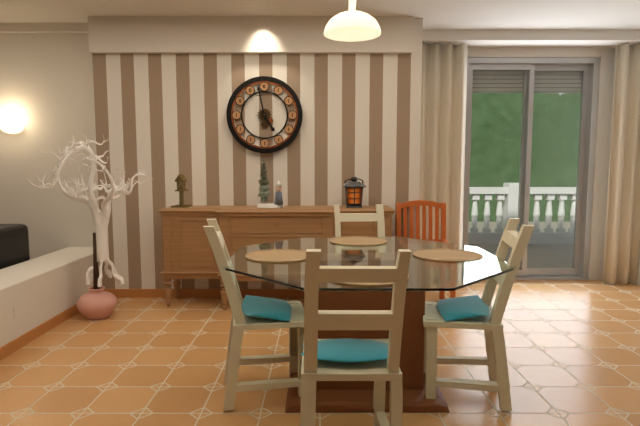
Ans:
h=4 m=58
